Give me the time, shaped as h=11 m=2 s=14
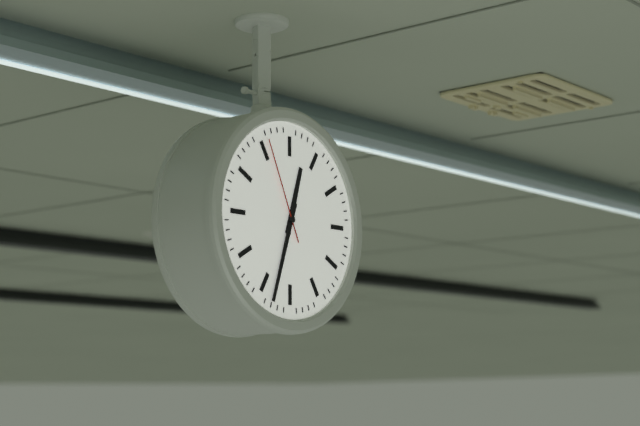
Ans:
h=12 m=33 s=56
